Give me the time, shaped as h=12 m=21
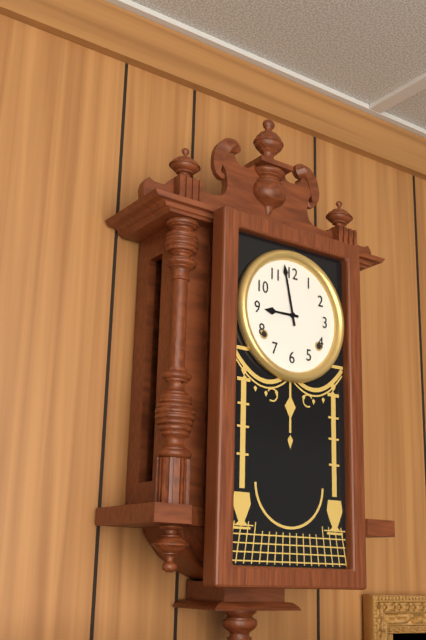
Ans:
h=8 m=58
